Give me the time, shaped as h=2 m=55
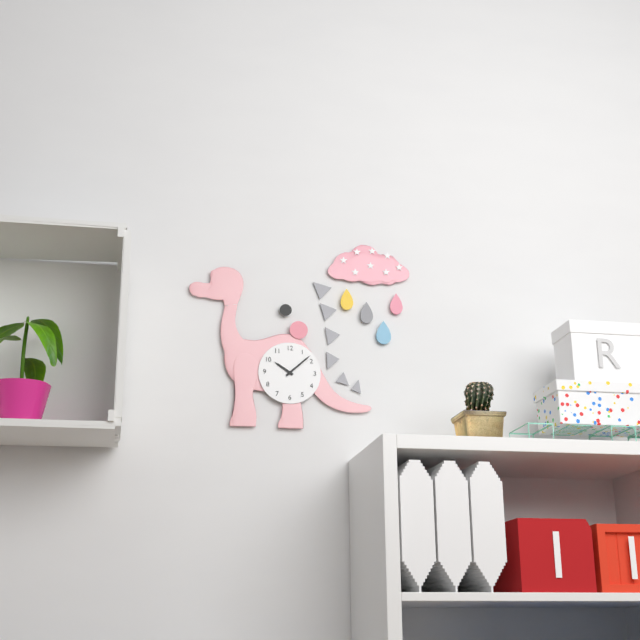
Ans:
h=10 m=8
